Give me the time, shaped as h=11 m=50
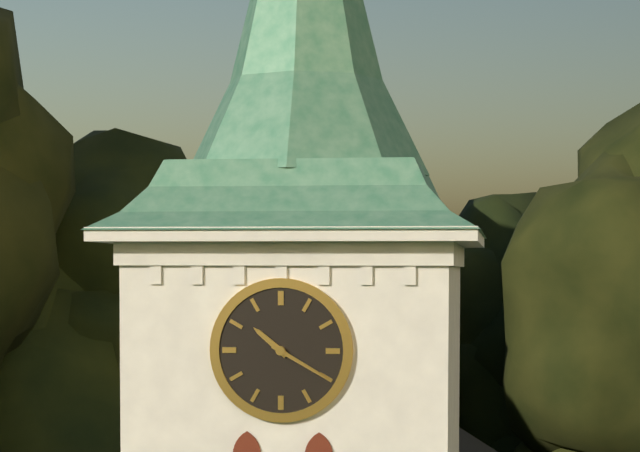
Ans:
h=10 m=20
